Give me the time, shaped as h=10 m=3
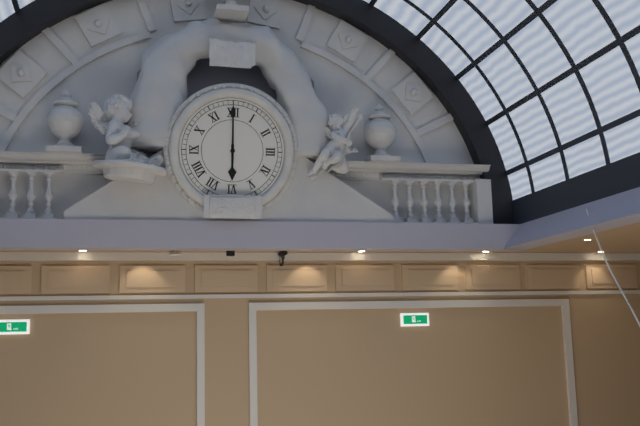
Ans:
h=6 m=0
